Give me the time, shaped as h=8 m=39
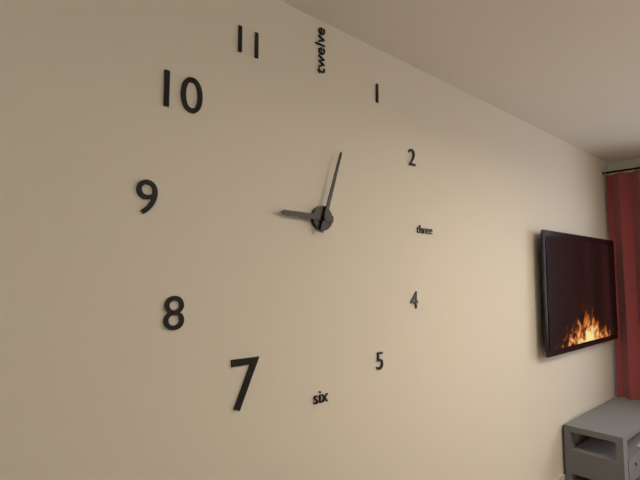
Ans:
h=9 m=3
